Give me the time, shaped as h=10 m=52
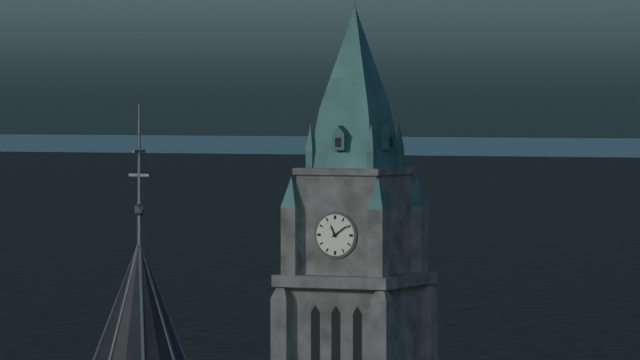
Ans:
h=11 m=9
